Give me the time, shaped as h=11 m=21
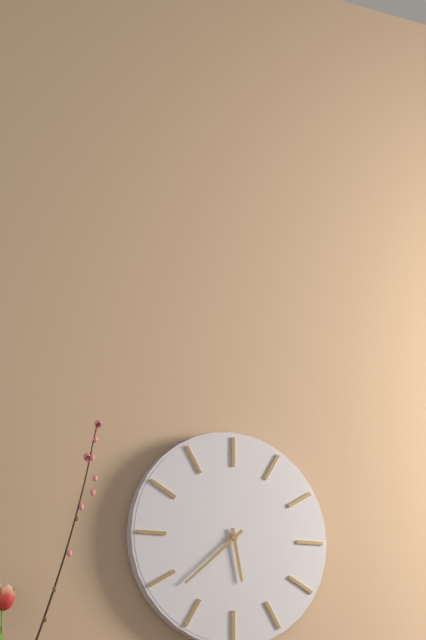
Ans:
h=5 m=38
